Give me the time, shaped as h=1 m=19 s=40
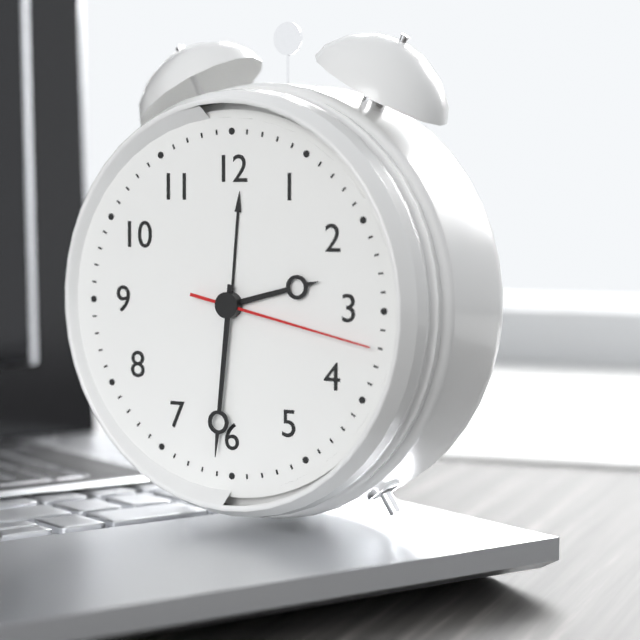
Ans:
h=2 m=31 s=17
